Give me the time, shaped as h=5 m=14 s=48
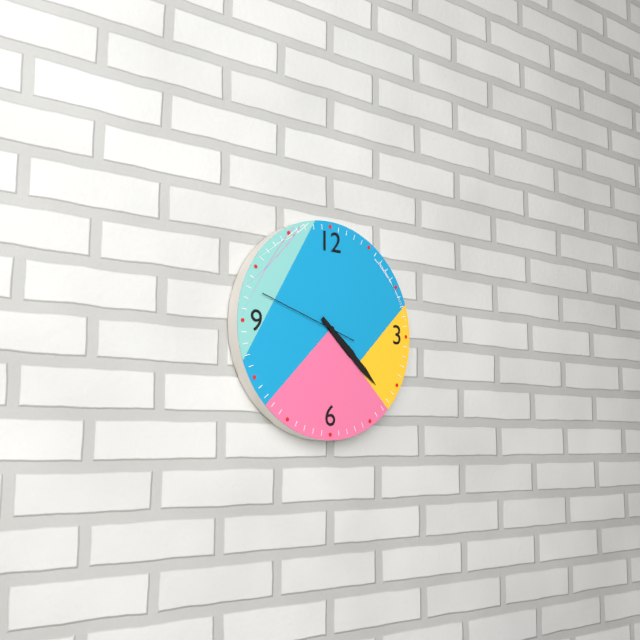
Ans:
h=4 m=22 s=48
